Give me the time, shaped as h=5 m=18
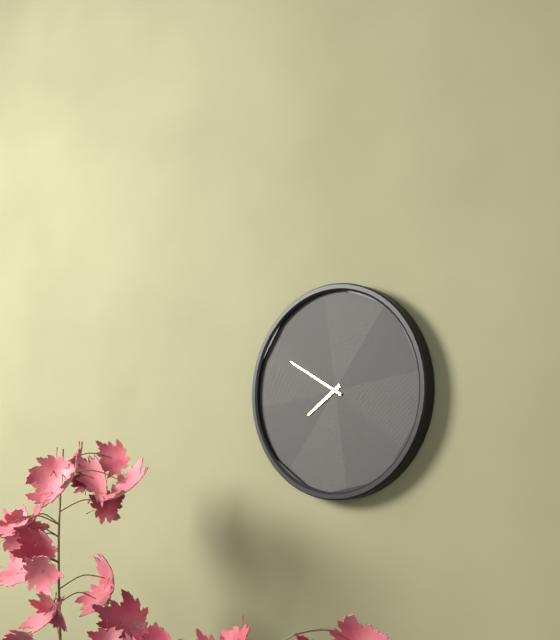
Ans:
h=7 m=50
